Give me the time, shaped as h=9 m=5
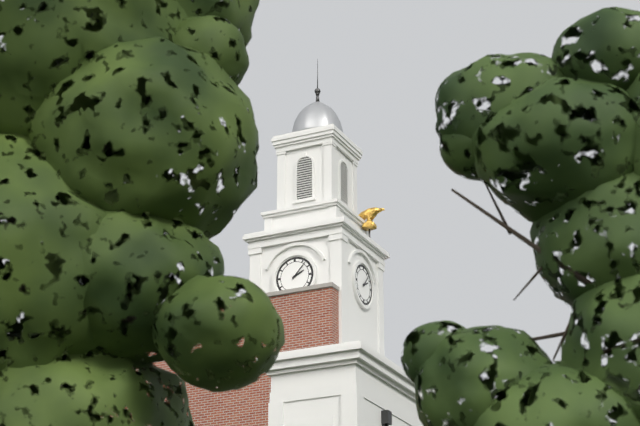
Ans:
h=2 m=7
